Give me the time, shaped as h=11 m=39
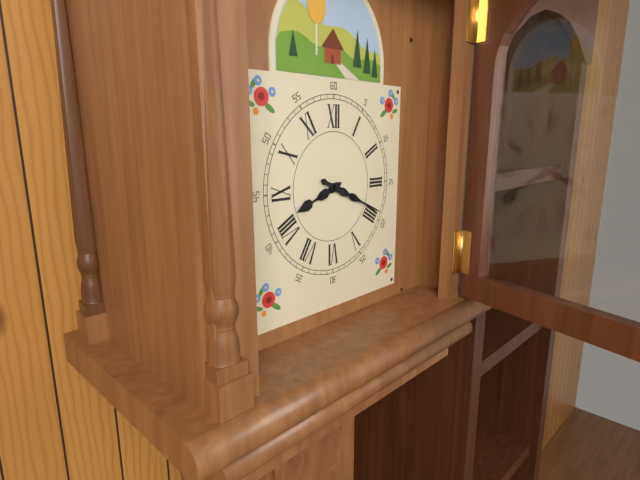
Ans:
h=8 m=19
